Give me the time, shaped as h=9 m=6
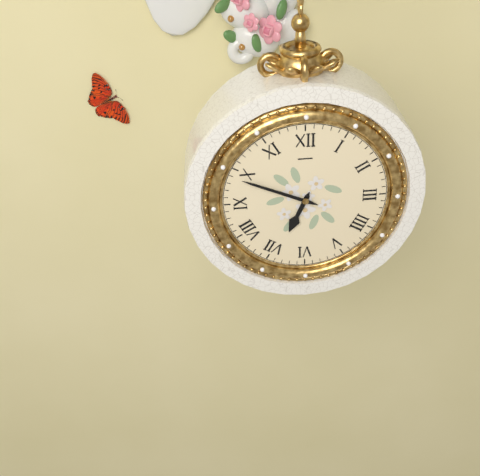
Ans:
h=6 m=49
